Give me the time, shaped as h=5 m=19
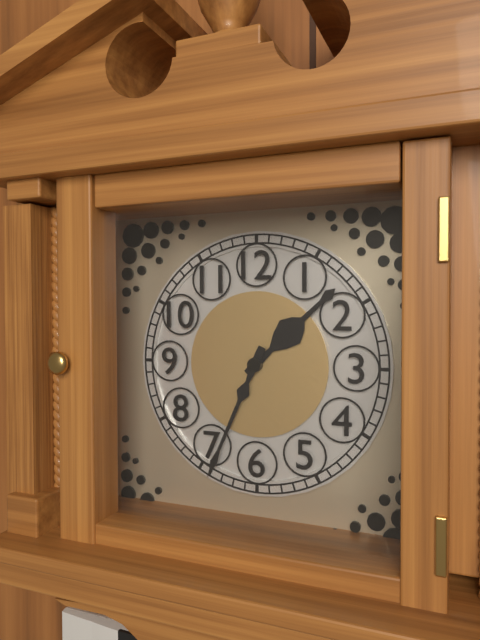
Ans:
h=1 m=34
